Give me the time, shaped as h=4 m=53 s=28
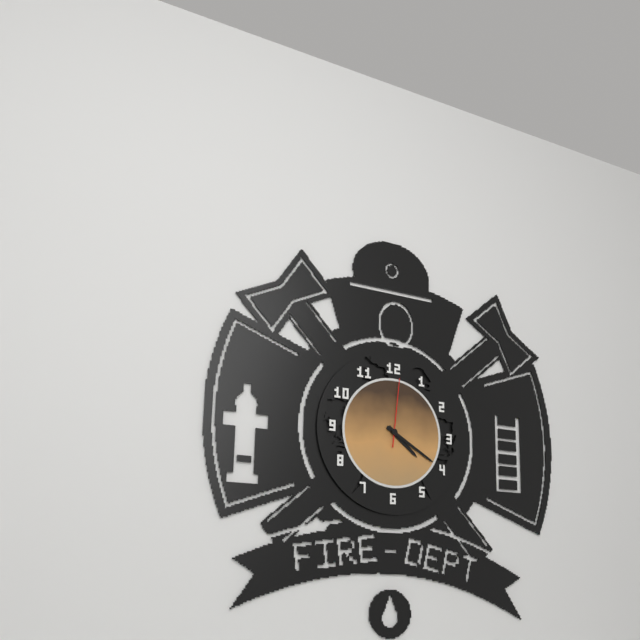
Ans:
h=4 m=20 s=1
